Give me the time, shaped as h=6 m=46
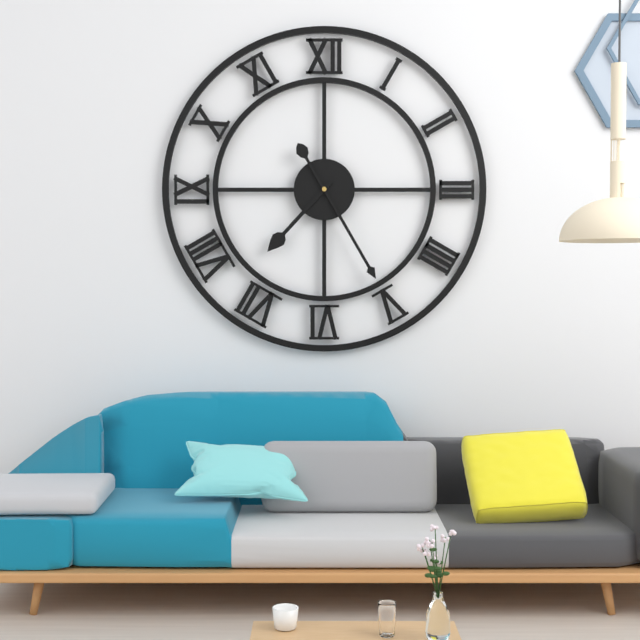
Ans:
h=7 m=25
